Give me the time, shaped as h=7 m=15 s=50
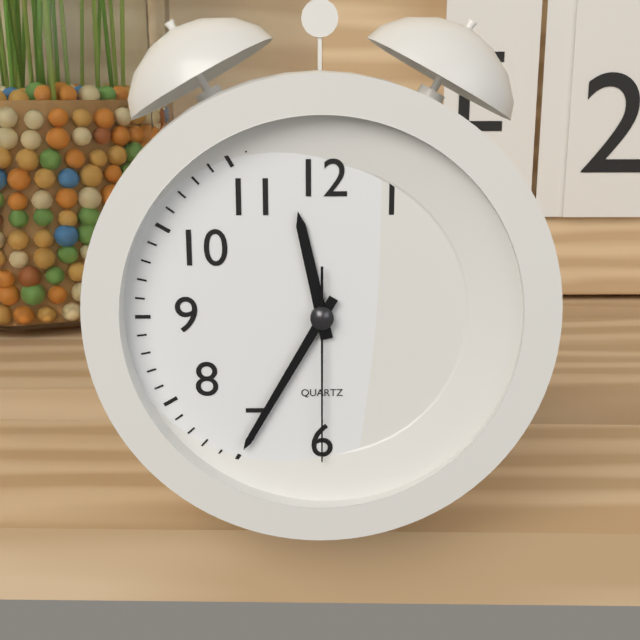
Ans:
h=11 m=35 s=30
